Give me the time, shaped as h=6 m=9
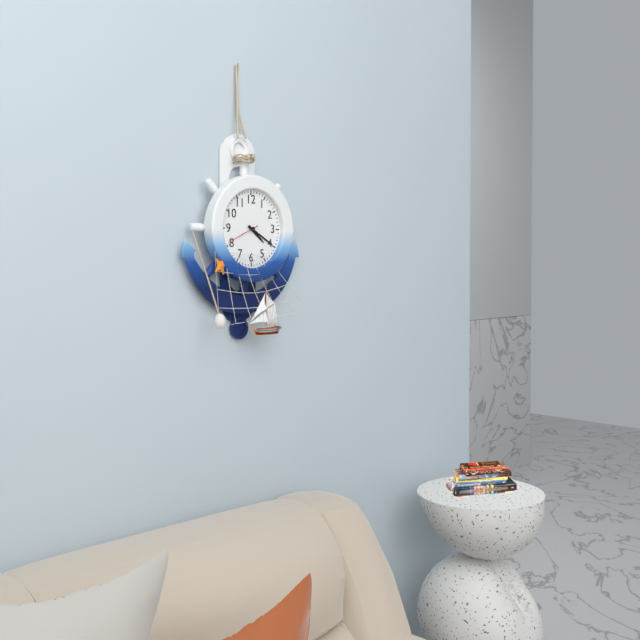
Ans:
h=4 m=20
